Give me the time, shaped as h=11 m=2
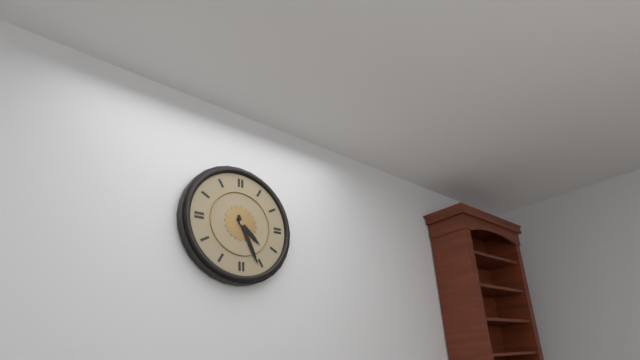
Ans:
h=4 m=26
